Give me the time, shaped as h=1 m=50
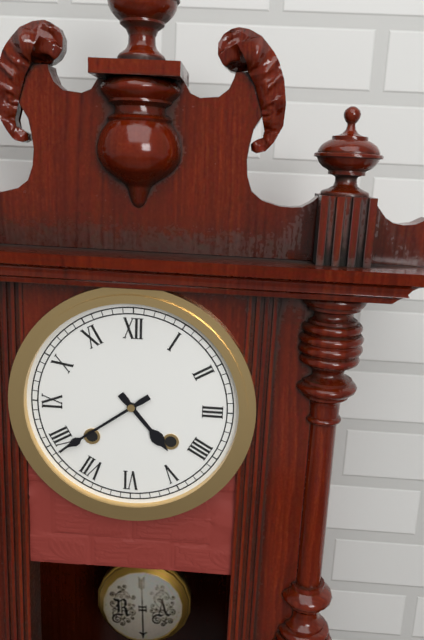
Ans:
h=4 m=39
